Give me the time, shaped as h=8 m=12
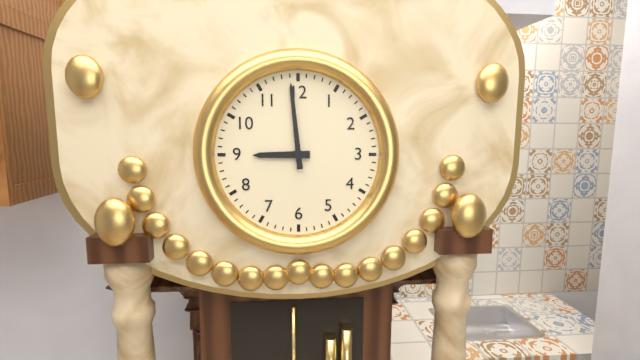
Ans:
h=8 m=59
